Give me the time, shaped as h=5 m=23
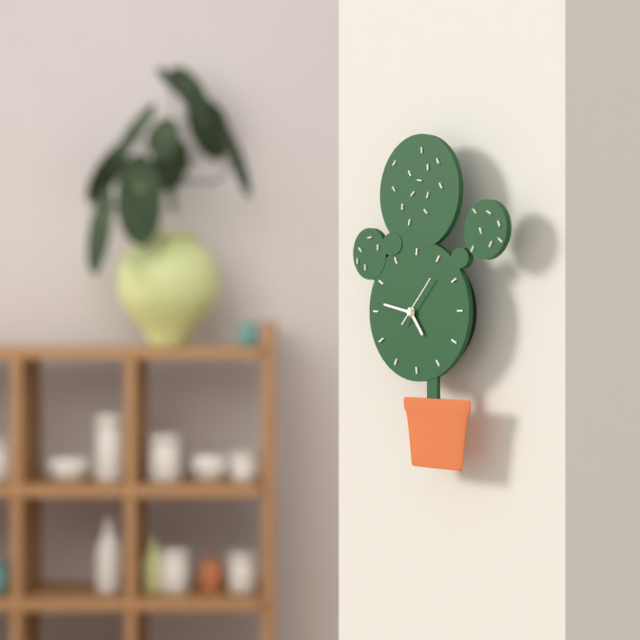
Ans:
h=4 m=47
